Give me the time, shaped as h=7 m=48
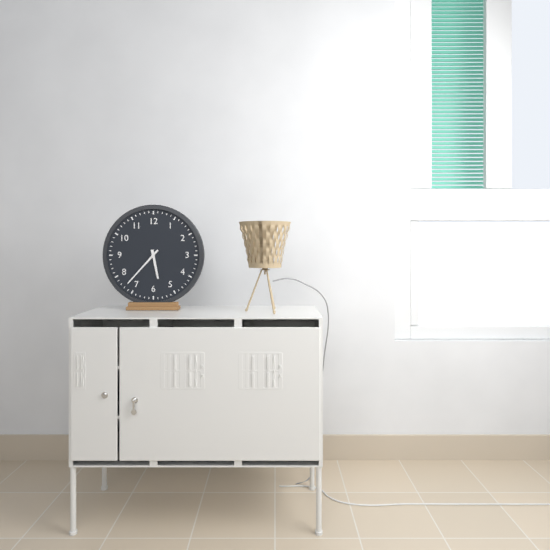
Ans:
h=5 m=37
